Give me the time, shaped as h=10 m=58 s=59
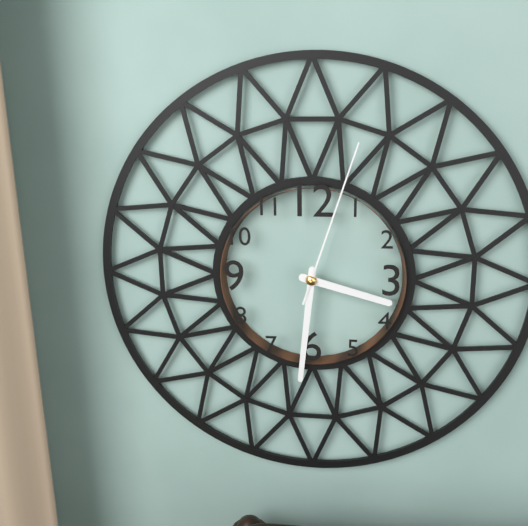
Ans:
h=3 m=31 s=3
